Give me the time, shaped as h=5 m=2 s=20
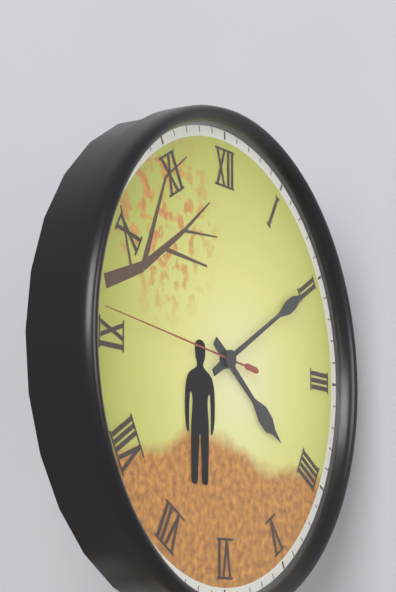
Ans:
h=4 m=10 s=46
